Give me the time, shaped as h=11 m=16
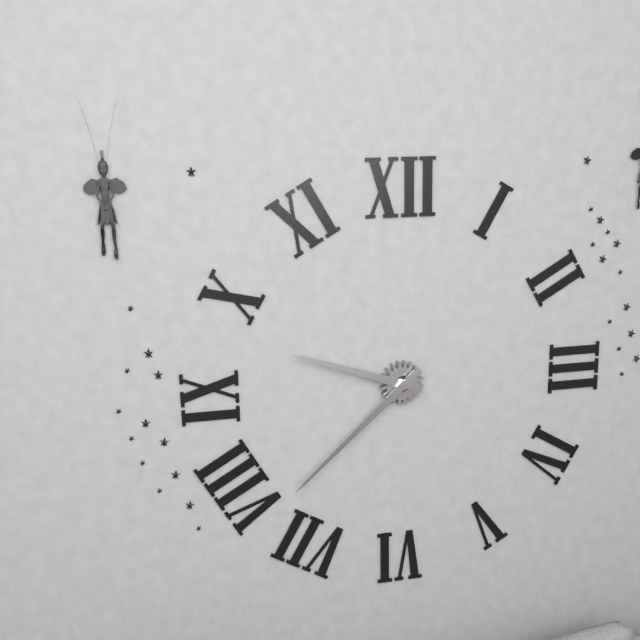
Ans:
h=9 m=38
